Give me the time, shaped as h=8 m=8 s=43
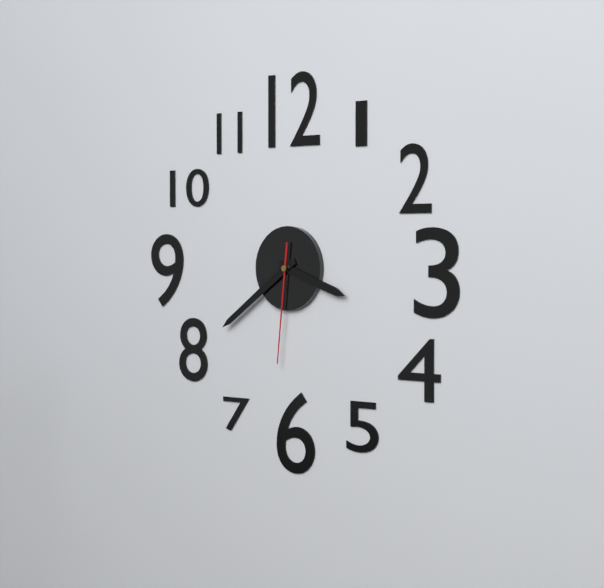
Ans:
h=3 m=39 s=31
